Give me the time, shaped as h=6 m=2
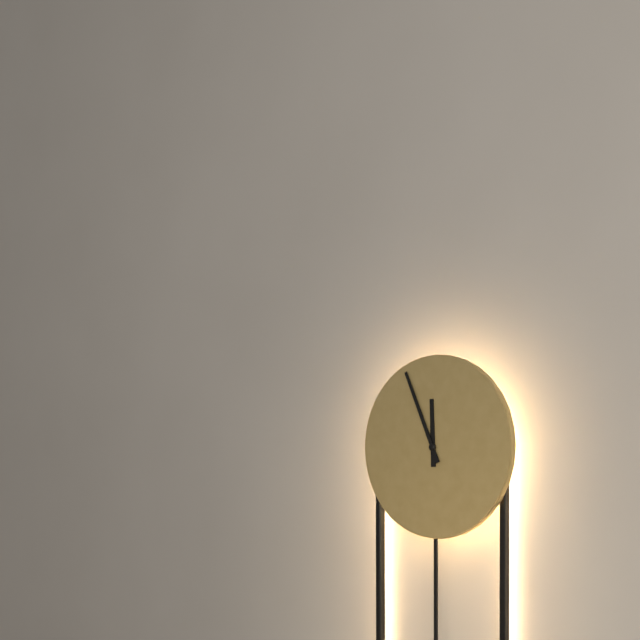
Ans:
h=11 m=56
